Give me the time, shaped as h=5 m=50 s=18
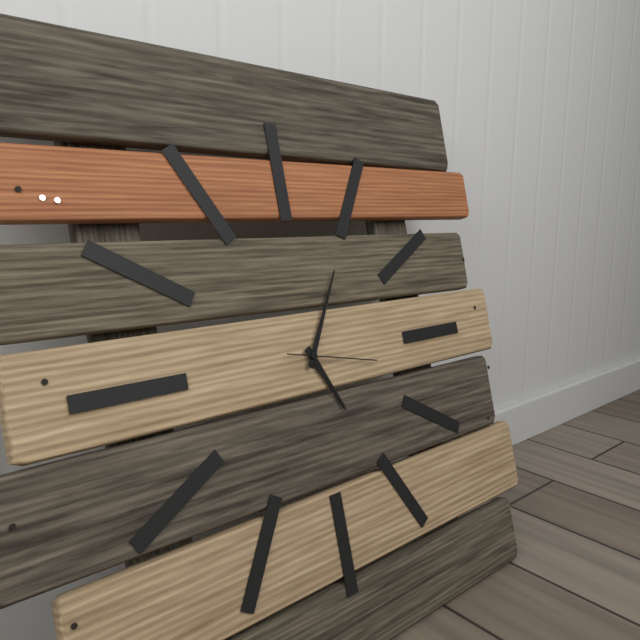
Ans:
h=5 m=5 s=17
